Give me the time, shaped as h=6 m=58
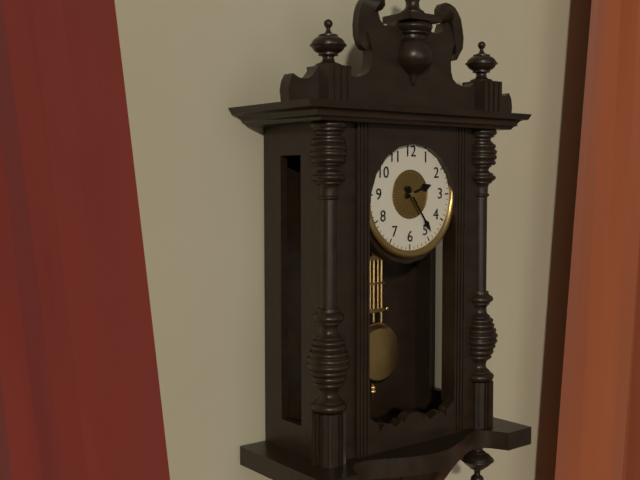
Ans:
h=2 m=24
